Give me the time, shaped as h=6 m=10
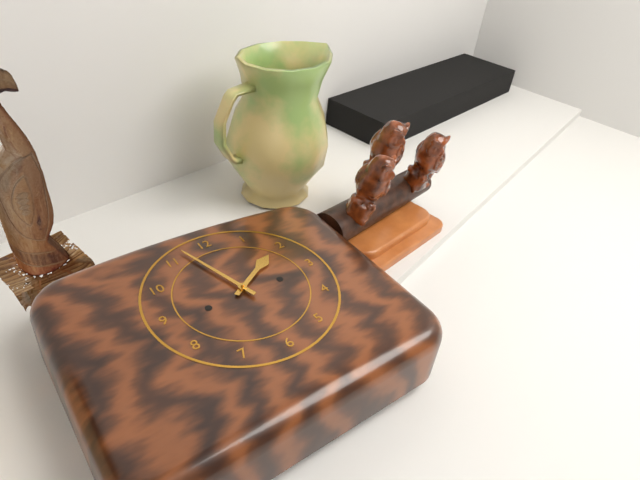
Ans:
h=1 m=57
